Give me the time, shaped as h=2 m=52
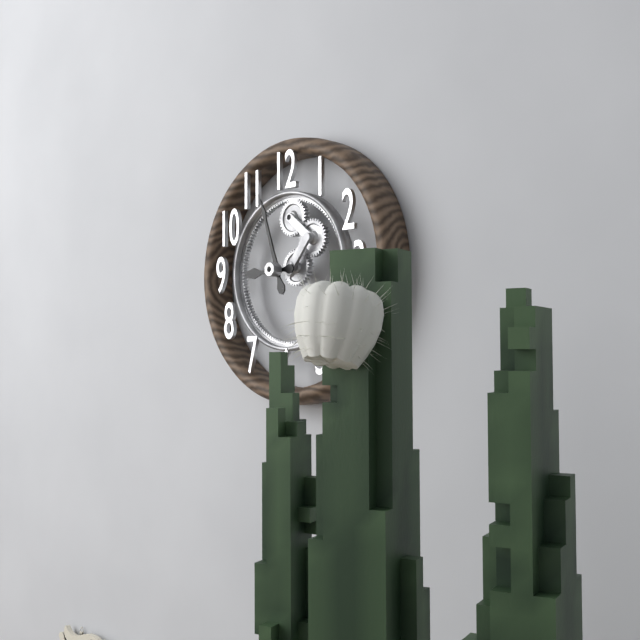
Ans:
h=8 m=57
